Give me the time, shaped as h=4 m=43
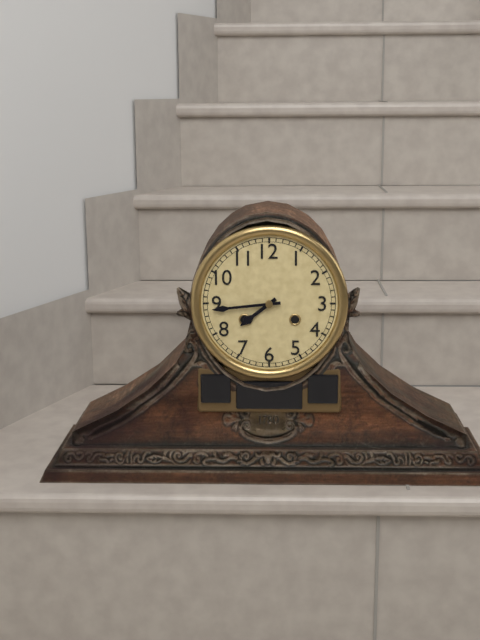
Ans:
h=7 m=44
